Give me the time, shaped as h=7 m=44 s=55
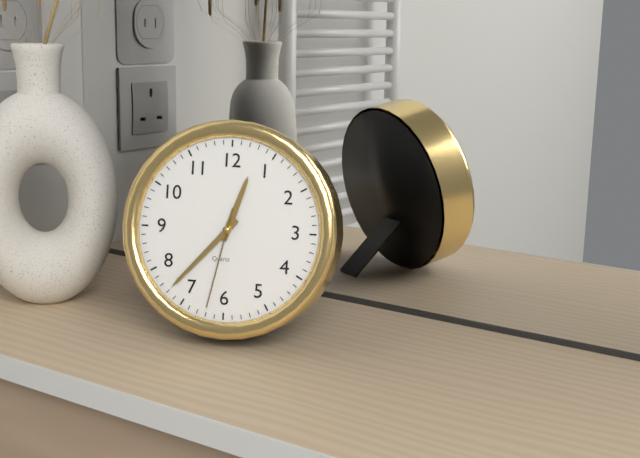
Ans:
h=12 m=37 s=32
